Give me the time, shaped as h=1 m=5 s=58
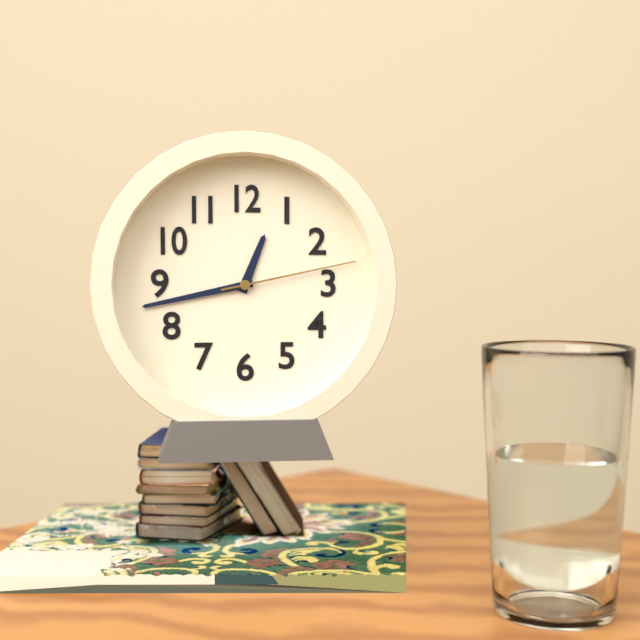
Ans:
h=12 m=43 s=13
